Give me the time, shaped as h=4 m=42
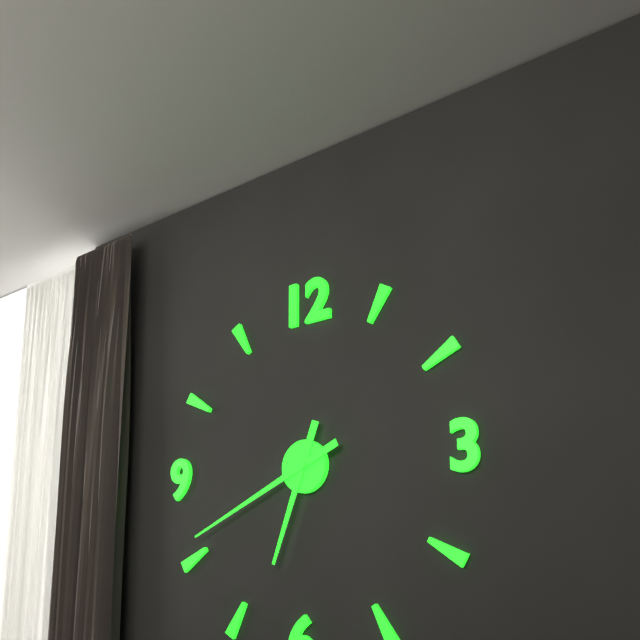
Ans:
h=6 m=41
